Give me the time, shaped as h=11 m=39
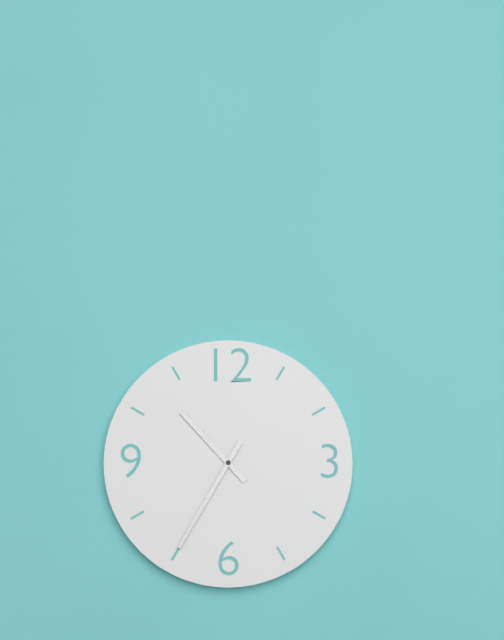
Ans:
h=10 m=35
